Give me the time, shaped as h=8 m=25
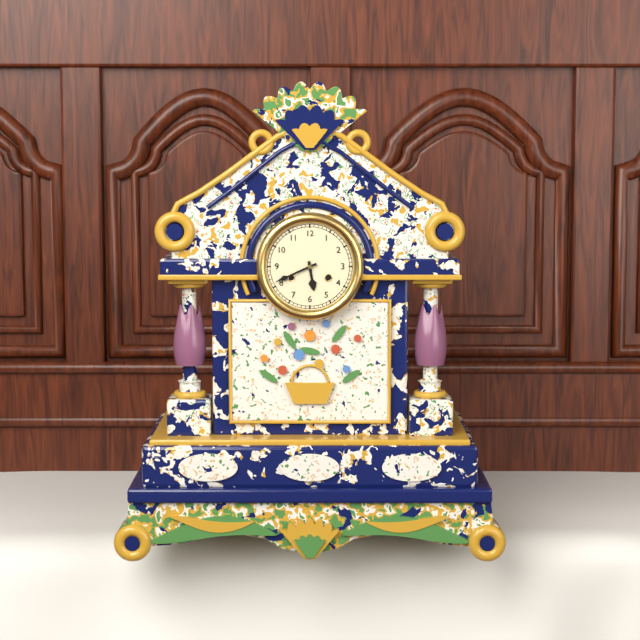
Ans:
h=5 m=41
